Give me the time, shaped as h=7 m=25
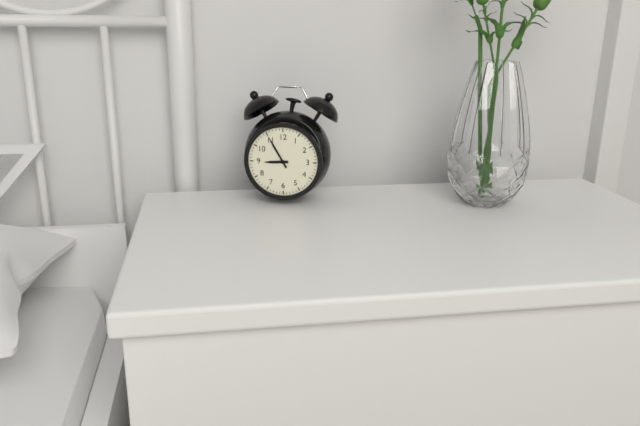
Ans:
h=8 m=55
